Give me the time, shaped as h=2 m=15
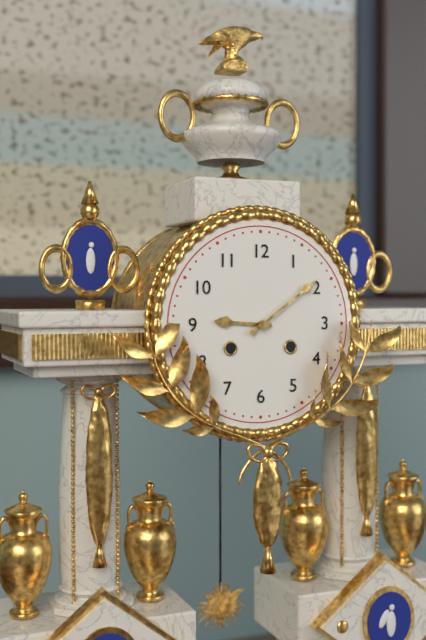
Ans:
h=9 m=9
